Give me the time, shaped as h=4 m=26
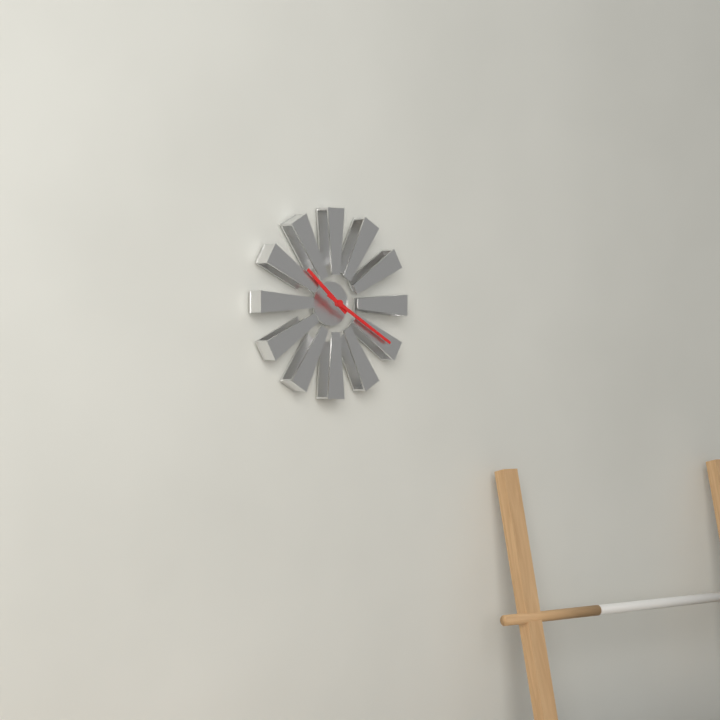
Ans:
h=10 m=20
